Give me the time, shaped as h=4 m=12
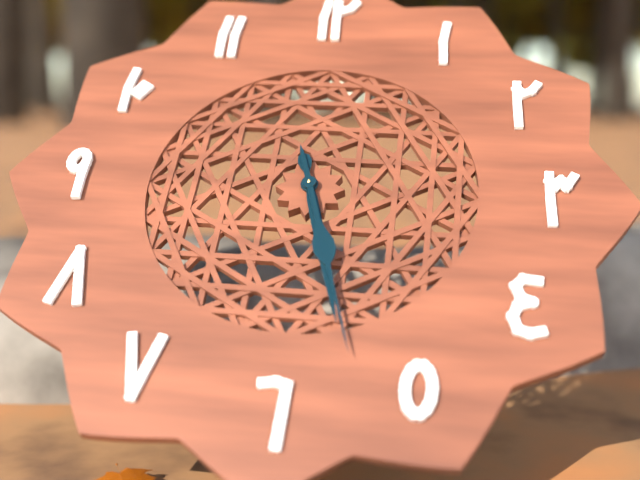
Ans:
h=5 m=27
